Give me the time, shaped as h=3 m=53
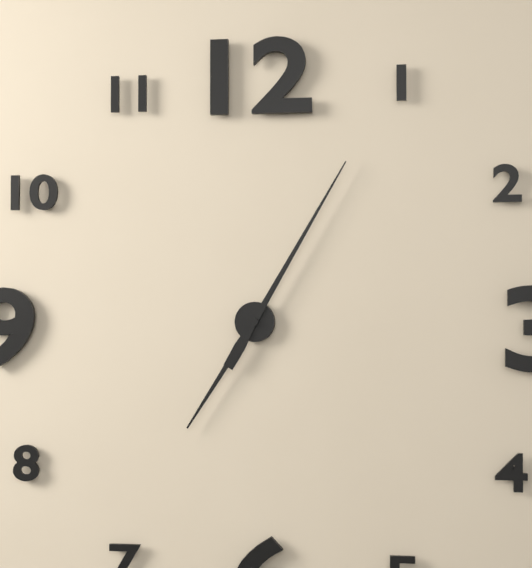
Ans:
h=7 m=5
